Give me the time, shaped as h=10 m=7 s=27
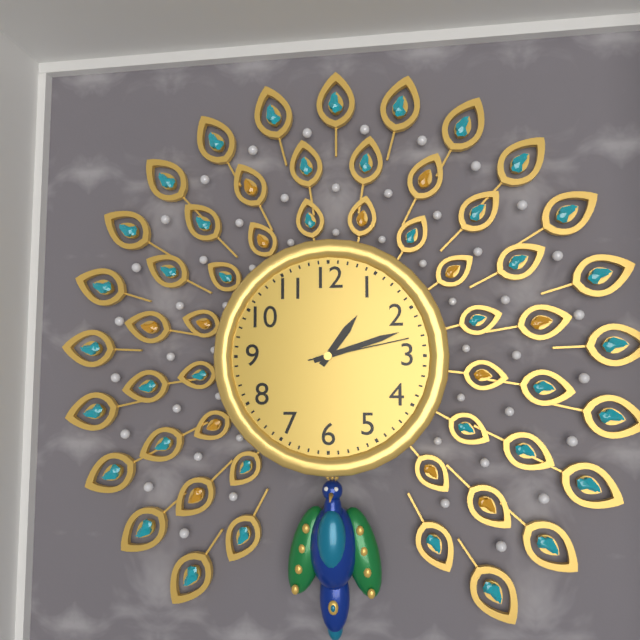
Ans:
h=1 m=12 s=13
